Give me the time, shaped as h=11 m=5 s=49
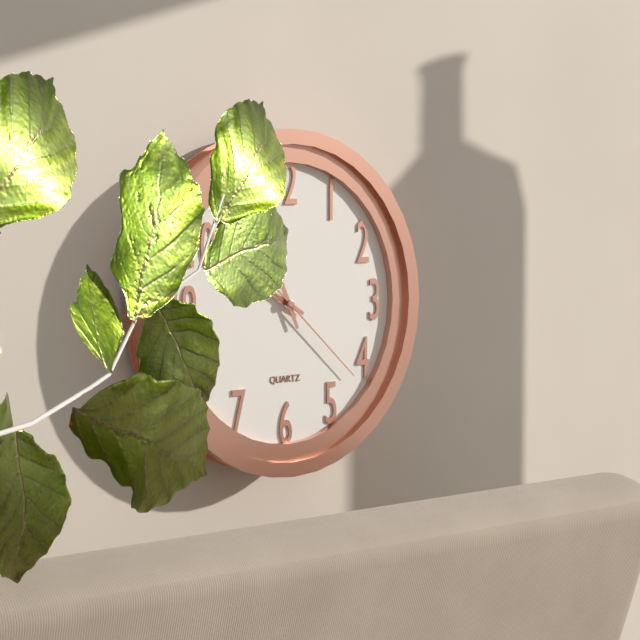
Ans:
h=9 m=56 s=22
